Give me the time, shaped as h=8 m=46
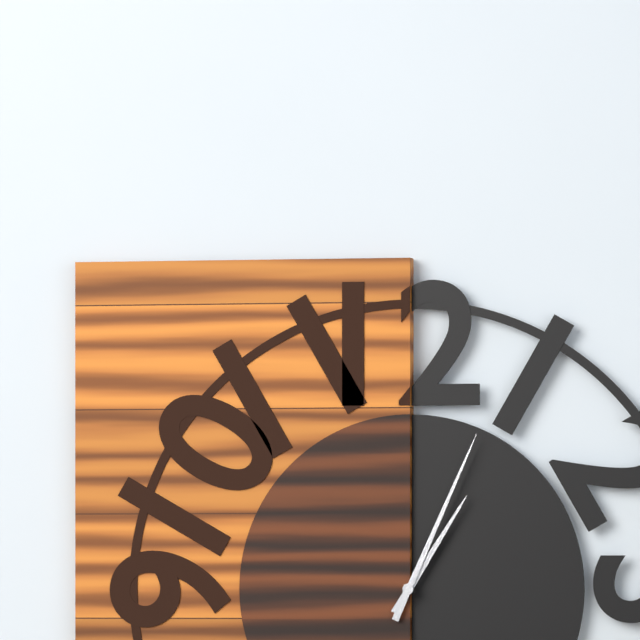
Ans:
h=1 m=4
